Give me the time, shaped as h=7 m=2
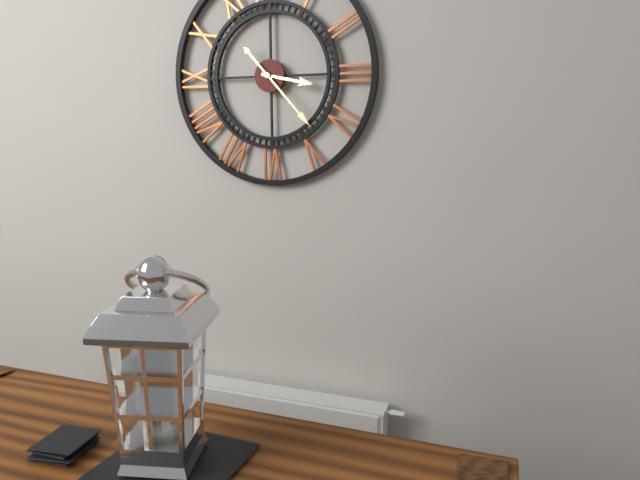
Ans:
h=3 m=23
